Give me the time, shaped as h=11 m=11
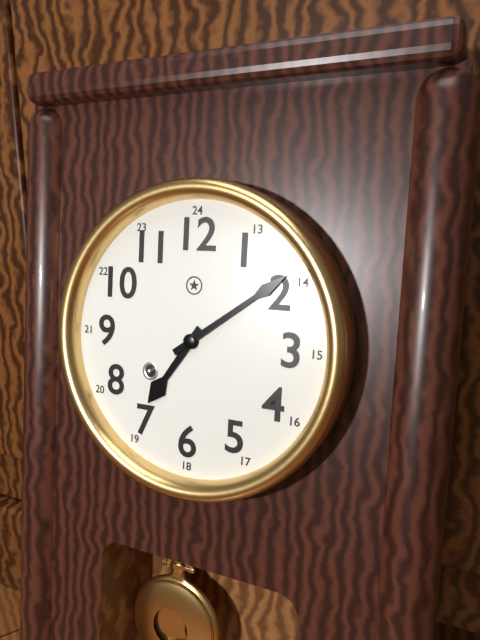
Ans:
h=7 m=9
